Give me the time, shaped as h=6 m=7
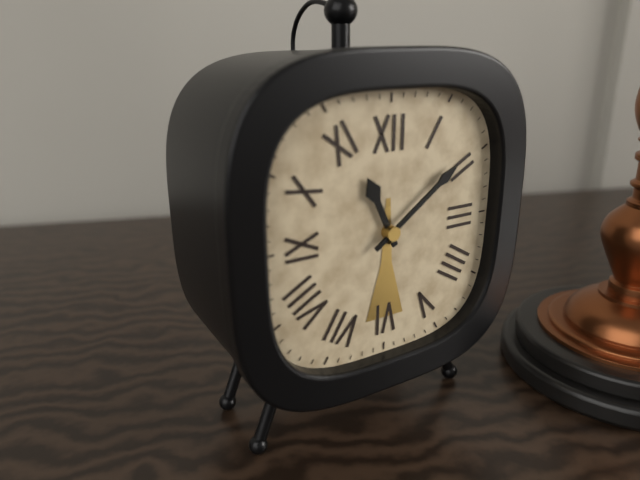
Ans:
h=11 m=9
